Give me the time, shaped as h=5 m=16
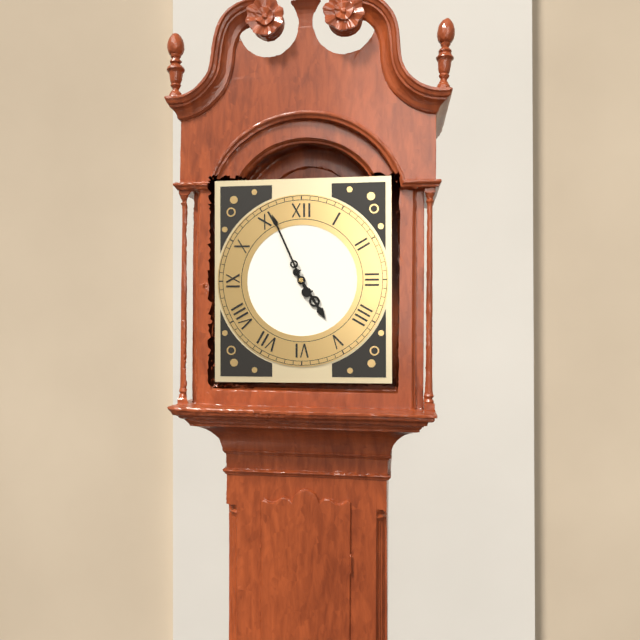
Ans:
h=4 m=56
